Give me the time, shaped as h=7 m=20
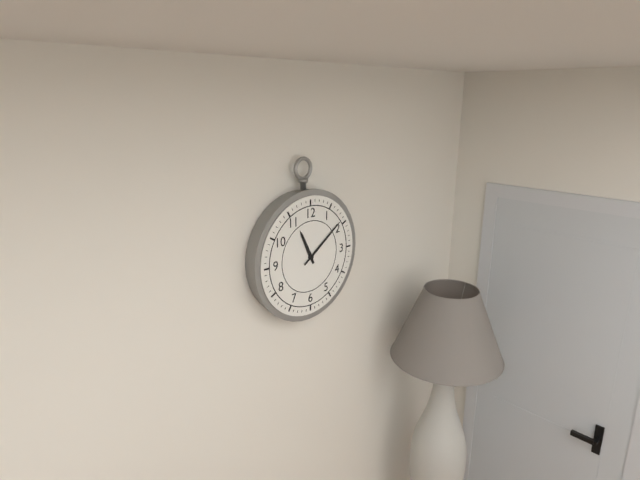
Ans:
h=11 m=9
